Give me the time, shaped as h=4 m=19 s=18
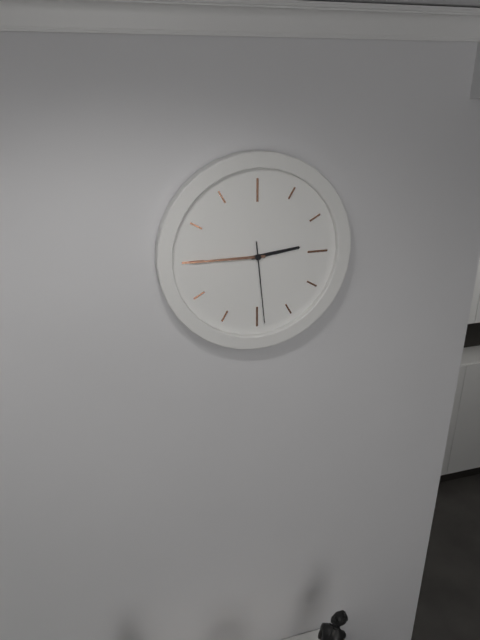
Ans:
h=2 m=45 s=29
